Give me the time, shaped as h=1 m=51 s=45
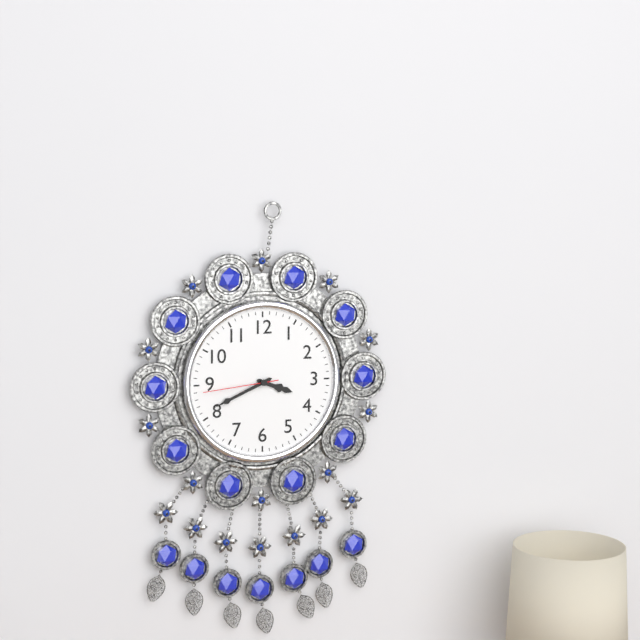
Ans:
h=3 m=41 s=44
